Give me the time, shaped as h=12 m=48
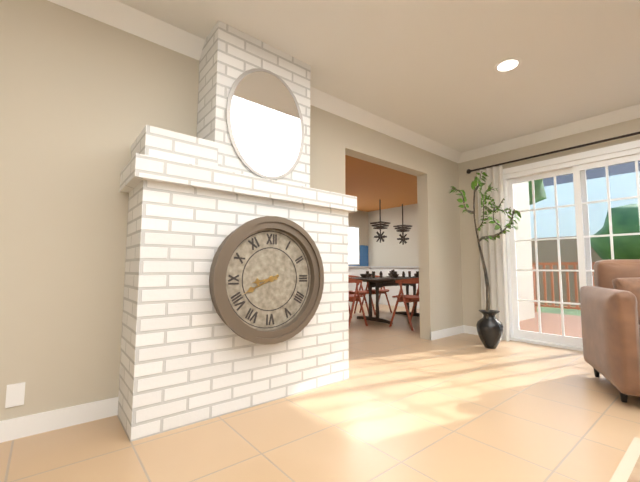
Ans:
h=8 m=41
